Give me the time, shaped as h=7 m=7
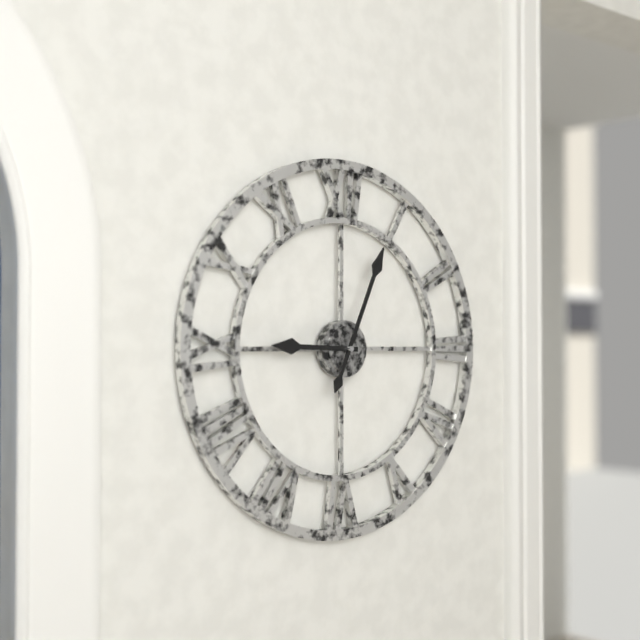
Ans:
h=9 m=4
